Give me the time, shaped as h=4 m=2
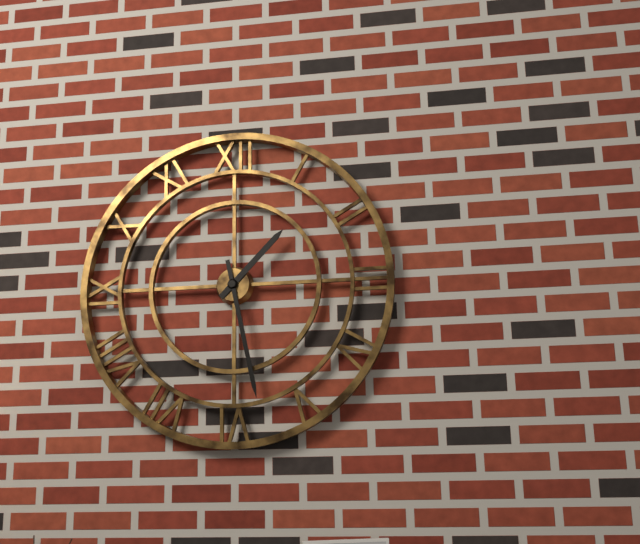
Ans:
h=1 m=28
